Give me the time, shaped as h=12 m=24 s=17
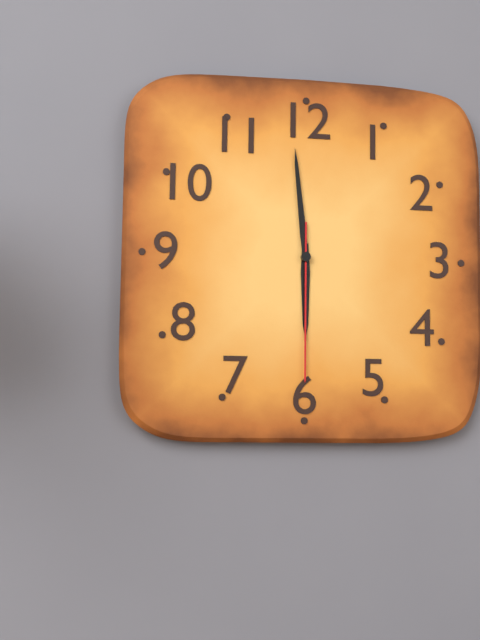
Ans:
h=5 m=59 s=30
